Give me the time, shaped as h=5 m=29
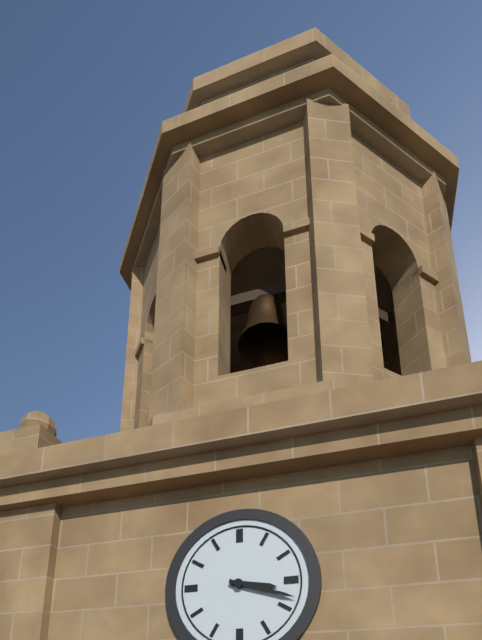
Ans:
h=3 m=18
